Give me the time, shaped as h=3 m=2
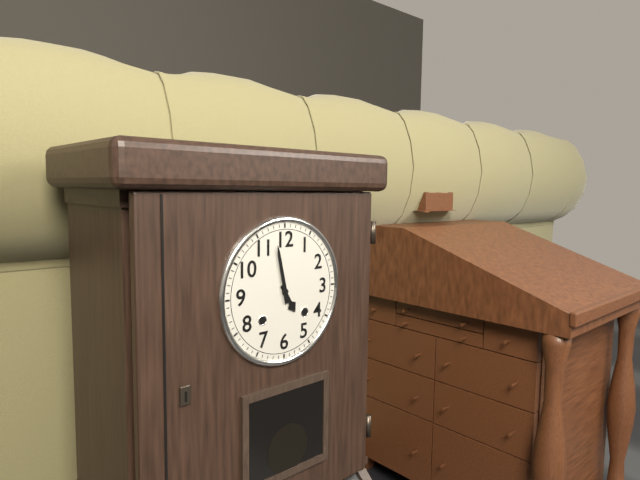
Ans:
h=4 m=58
